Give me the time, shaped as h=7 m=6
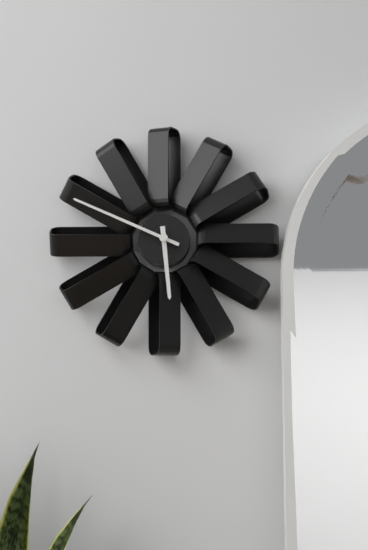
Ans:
h=5 m=49
